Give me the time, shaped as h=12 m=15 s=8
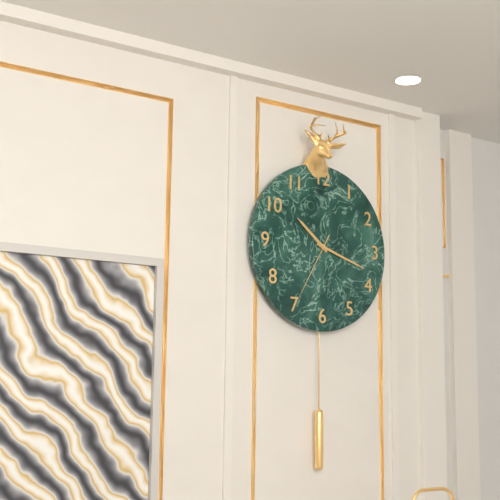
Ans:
h=10 m=18 s=35
